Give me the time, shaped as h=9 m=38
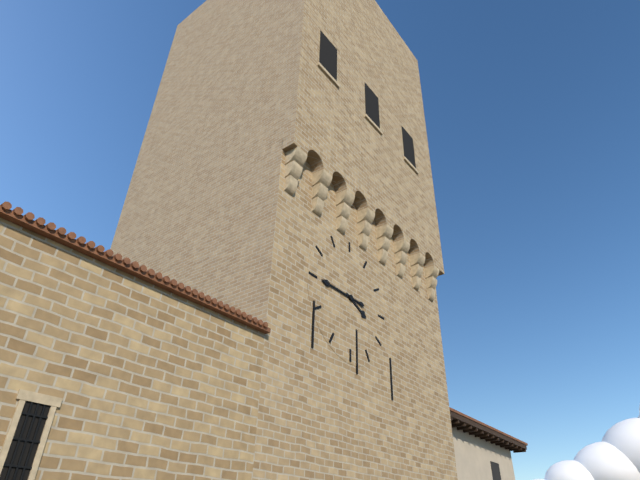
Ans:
h=3 m=45
